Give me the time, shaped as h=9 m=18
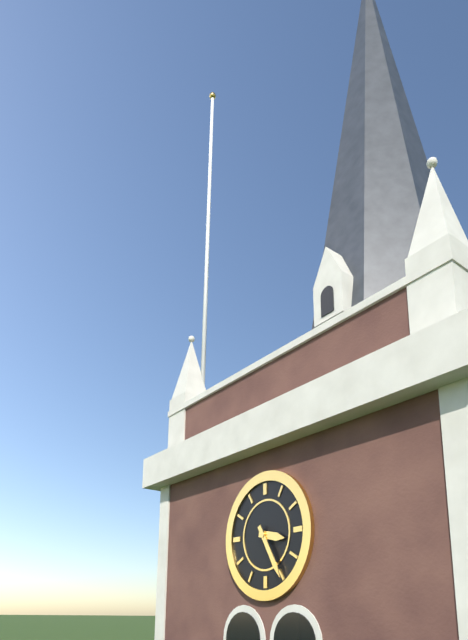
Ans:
h=3 m=25
